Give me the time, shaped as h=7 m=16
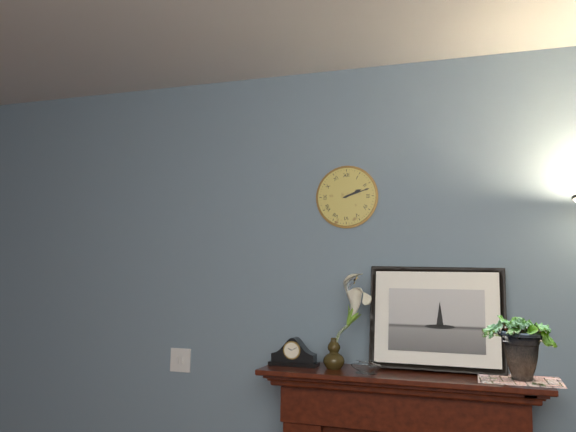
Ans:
h=2 m=12
